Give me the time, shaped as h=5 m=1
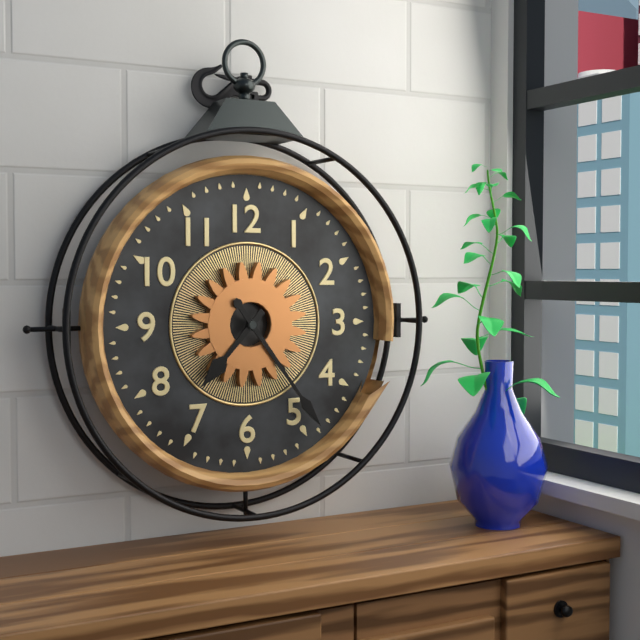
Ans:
h=7 m=24
